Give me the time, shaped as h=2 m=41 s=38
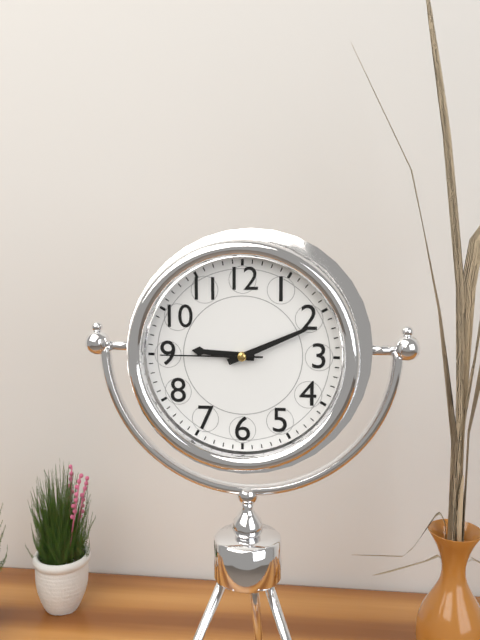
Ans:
h=9 m=11 s=45
